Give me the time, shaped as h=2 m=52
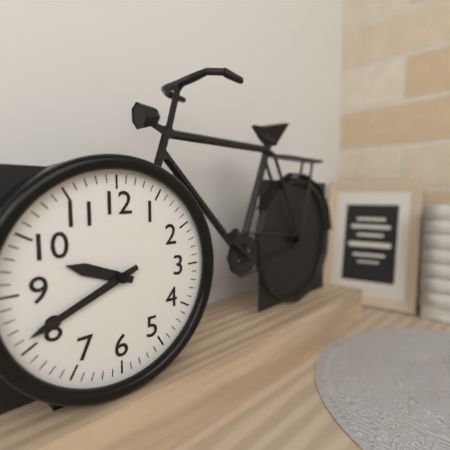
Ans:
h=9 m=41
